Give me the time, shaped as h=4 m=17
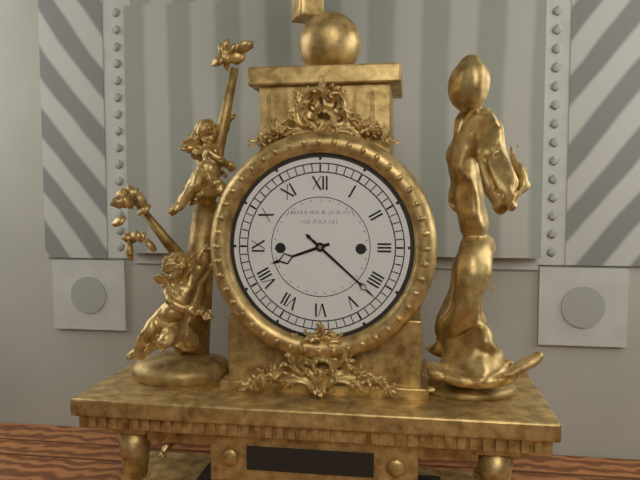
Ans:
h=8 m=22
